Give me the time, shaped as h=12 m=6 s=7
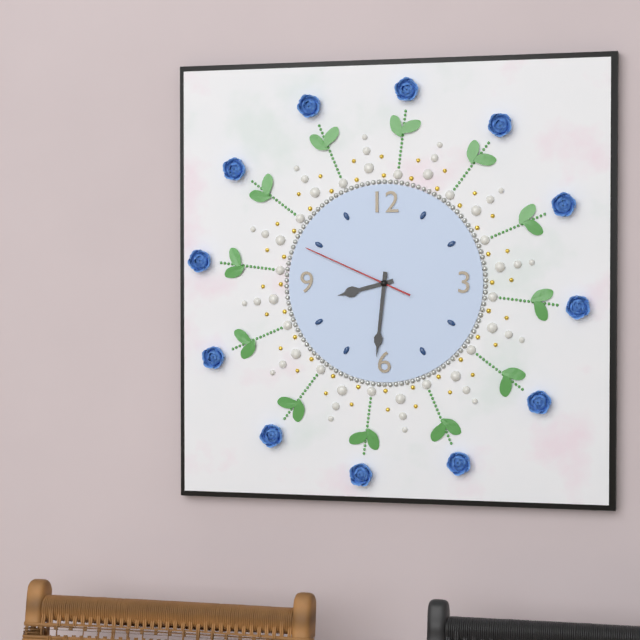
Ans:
h=8 m=31 s=49
